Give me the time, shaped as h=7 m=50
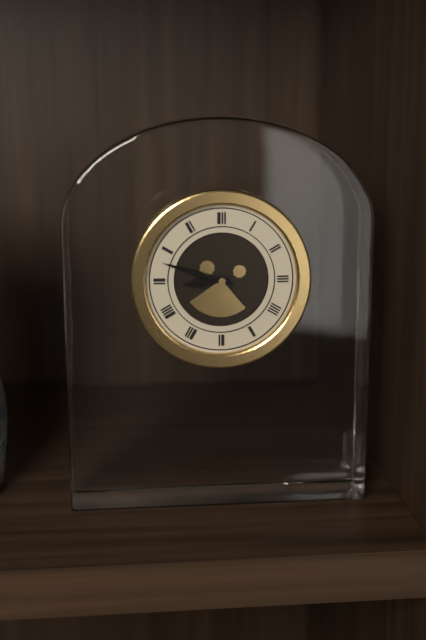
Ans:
h=8 m=48
